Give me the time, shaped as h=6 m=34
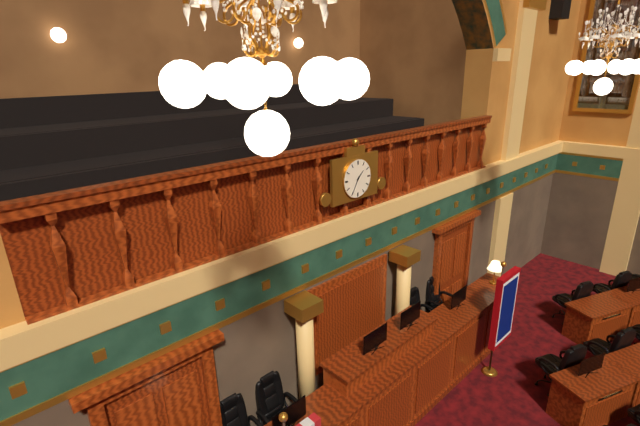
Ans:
h=1 m=35
